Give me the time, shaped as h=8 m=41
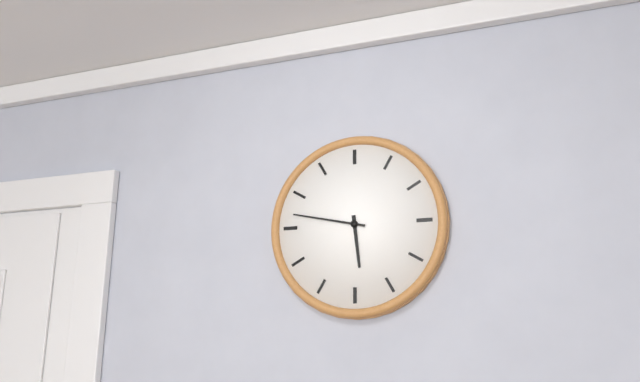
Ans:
h=5 m=47
